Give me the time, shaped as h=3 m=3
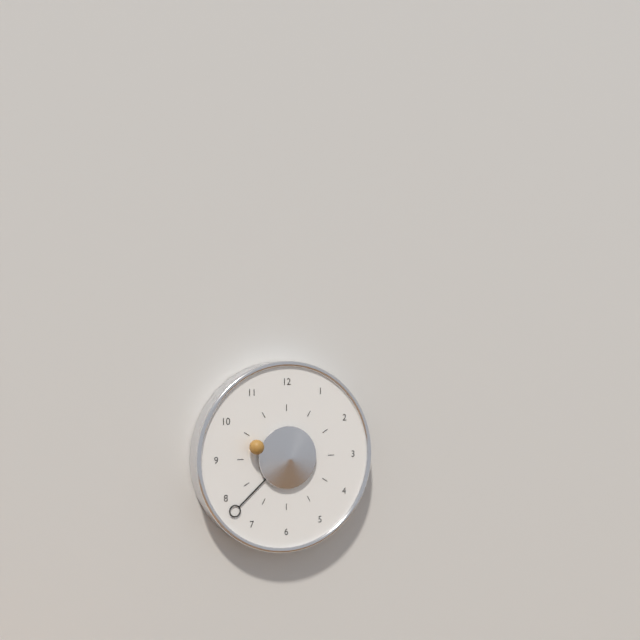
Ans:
h=9 m=38
